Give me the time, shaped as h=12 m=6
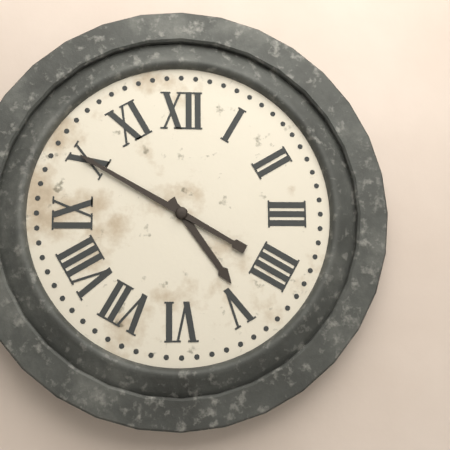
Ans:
h=4 m=50
